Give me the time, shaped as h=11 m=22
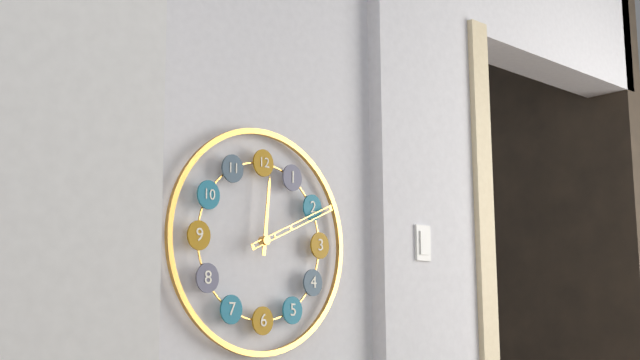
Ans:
h=12 m=11
